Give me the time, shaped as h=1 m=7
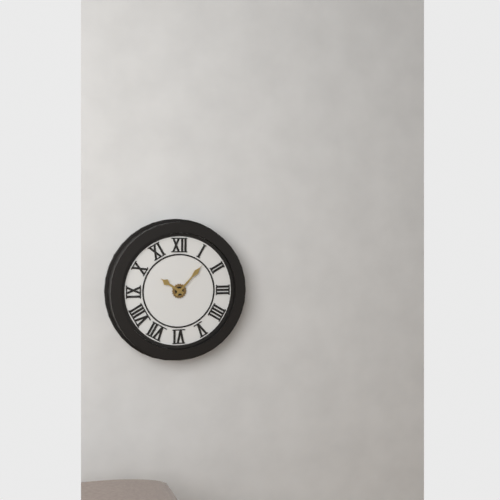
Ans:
h=10 m=7
